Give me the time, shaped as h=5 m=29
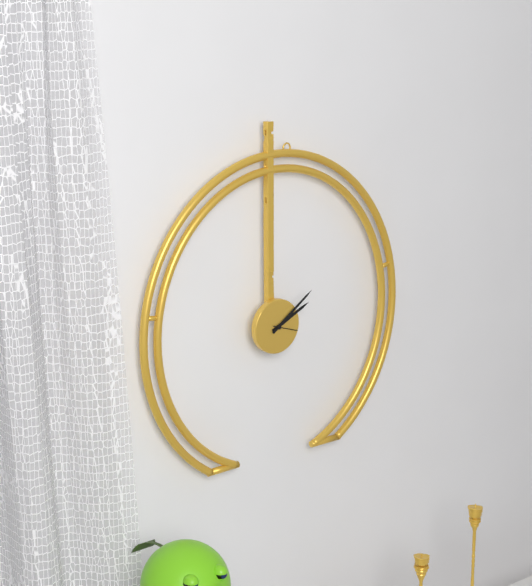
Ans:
h=2 m=9
